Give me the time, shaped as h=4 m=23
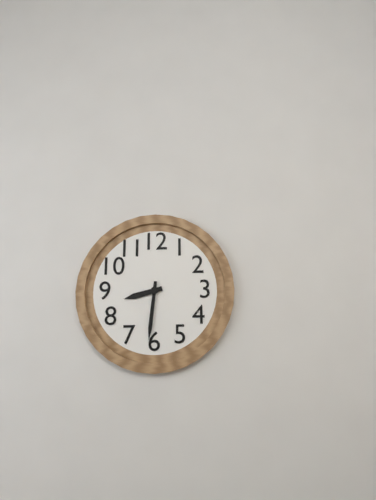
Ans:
h=8 m=31
